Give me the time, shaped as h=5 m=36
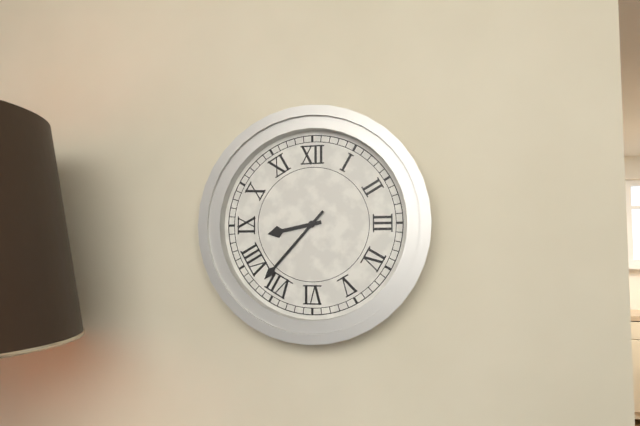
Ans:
h=8 m=37
